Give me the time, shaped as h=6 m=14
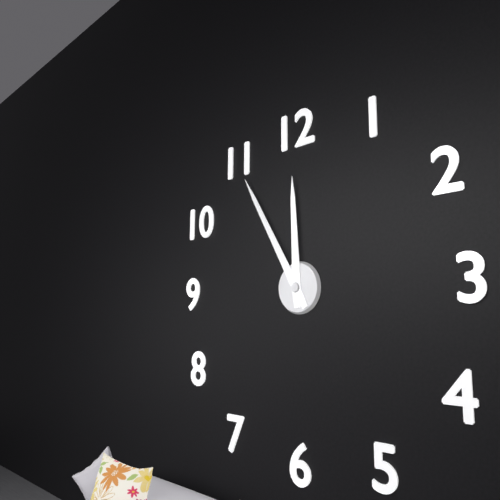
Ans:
h=11 m=55
